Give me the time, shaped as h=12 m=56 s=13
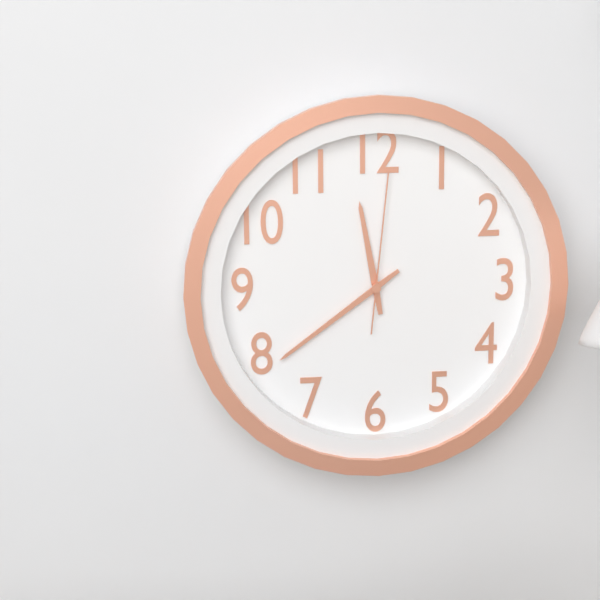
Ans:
h=11 m=39 s=1
